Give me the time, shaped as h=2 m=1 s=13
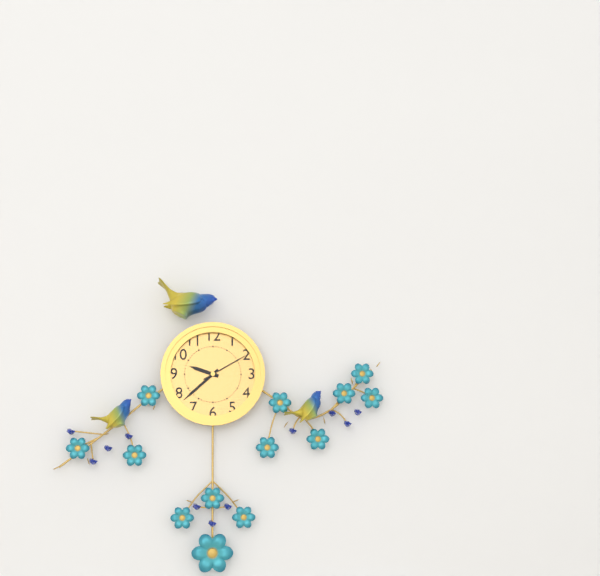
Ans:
h=9 m=38 s=10
